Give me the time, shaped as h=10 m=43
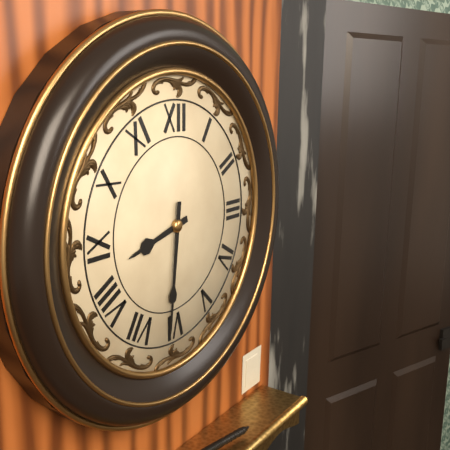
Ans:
h=8 m=31
